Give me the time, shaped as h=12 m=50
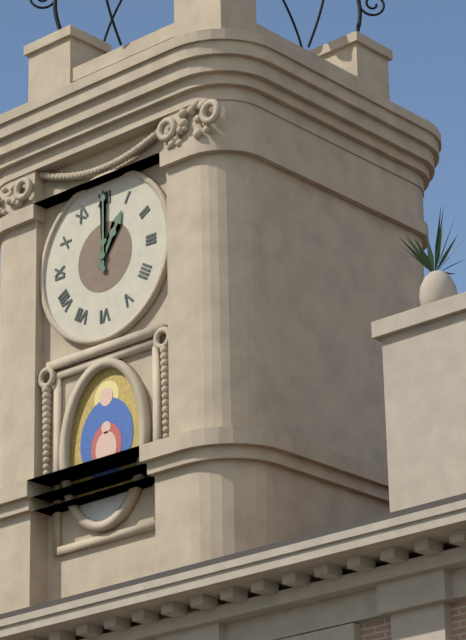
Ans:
h=1 m=0
